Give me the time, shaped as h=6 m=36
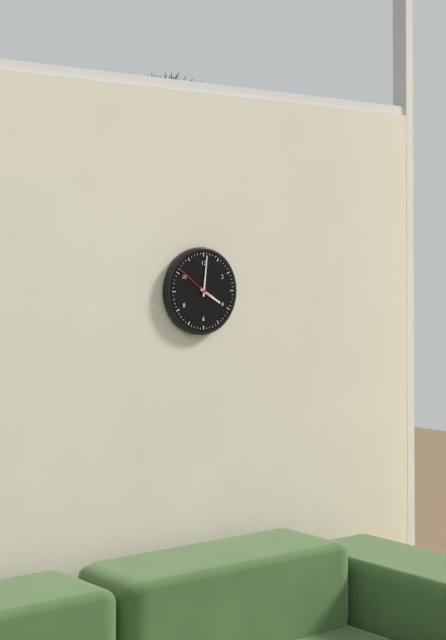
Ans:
h=4 m=1
